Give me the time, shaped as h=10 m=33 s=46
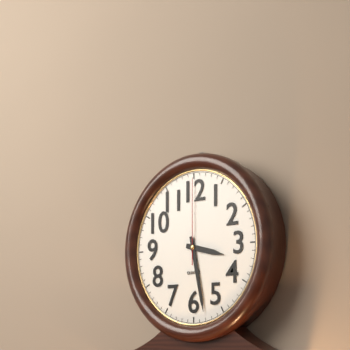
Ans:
h=3 m=28 s=0
